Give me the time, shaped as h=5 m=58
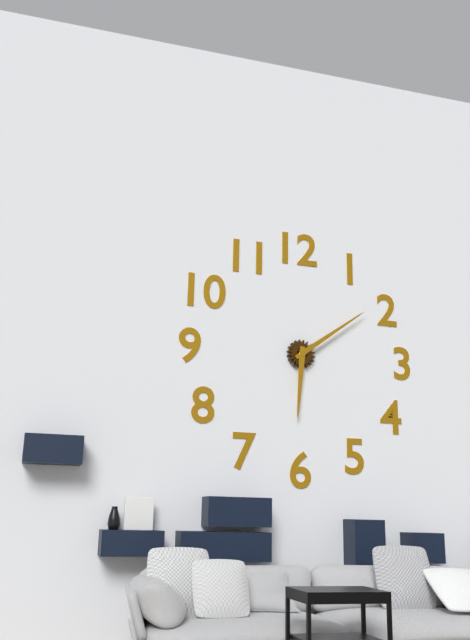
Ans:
h=6 m=9
